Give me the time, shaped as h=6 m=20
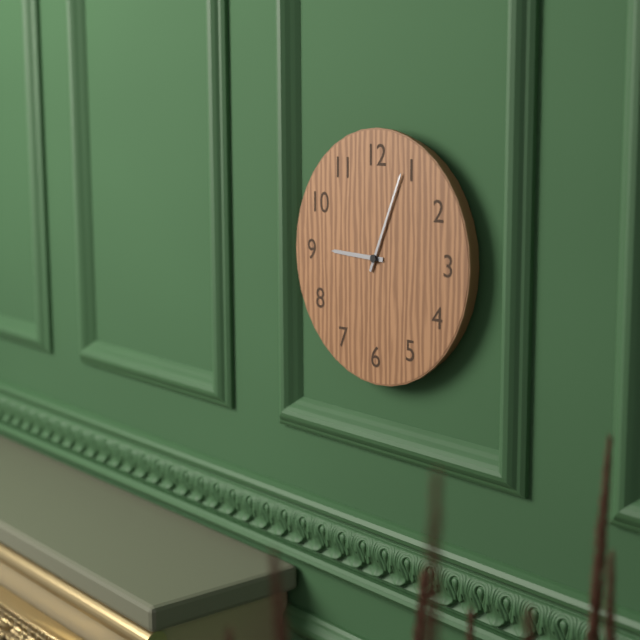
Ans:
h=9 m=4
